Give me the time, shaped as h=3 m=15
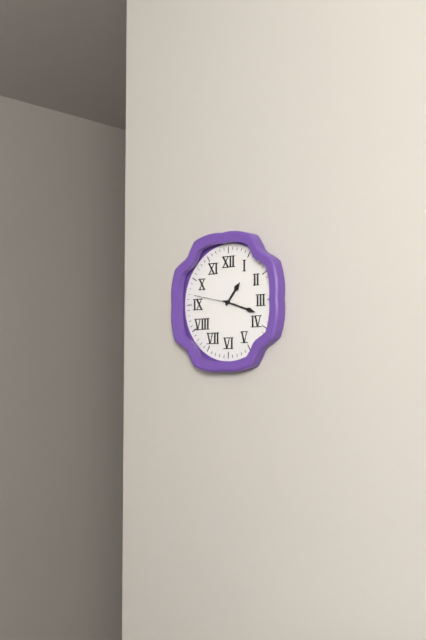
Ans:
h=1 m=18
